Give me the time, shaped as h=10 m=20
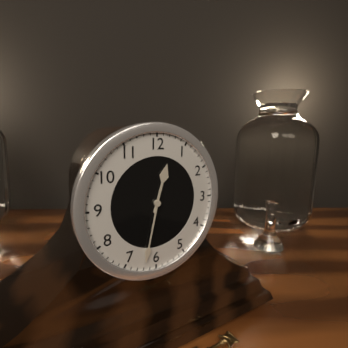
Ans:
h=12 m=32
